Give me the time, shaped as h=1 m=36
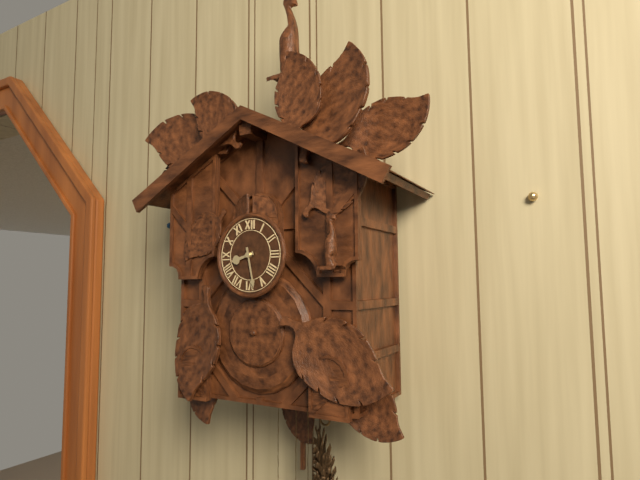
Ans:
h=8 m=28
